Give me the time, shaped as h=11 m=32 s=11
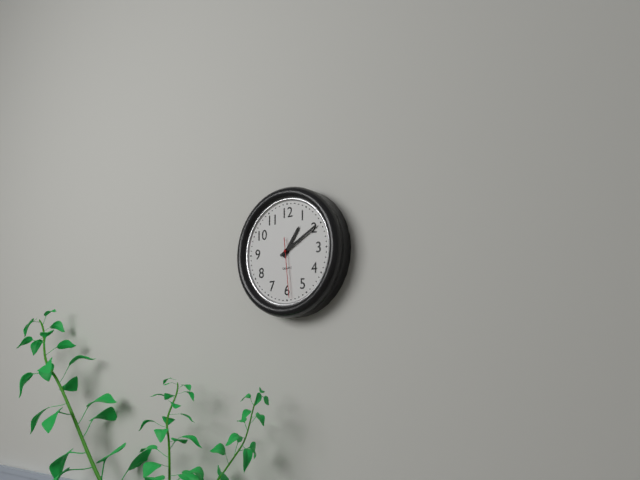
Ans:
h=1 m=10 s=29
